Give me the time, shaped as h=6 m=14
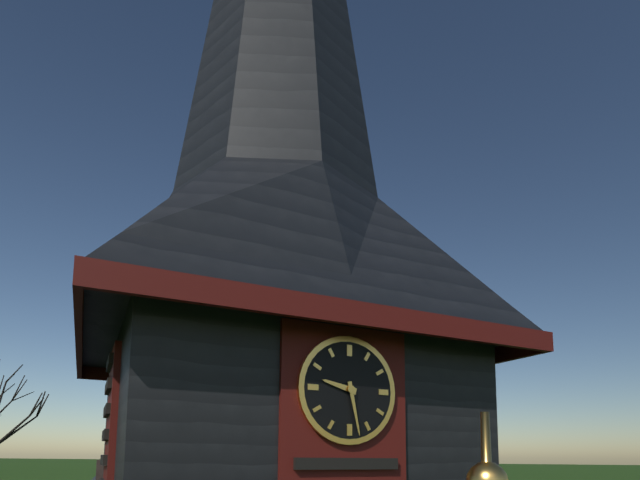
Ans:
h=9 m=28
